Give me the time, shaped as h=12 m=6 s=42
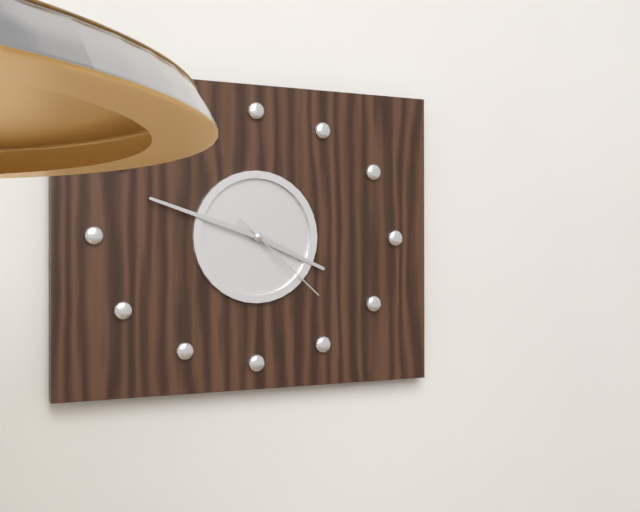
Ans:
h=3 m=48 s=22
